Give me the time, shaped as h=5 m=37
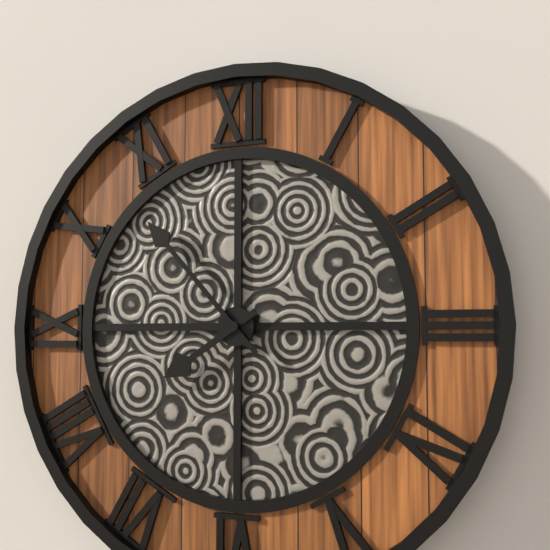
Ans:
h=7 m=53
